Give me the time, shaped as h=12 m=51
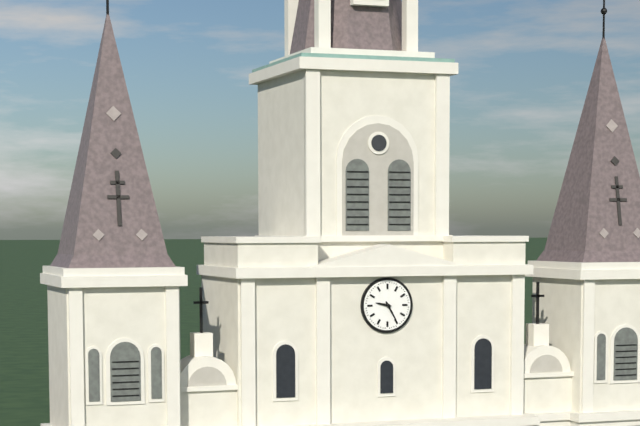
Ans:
h=9 m=25
